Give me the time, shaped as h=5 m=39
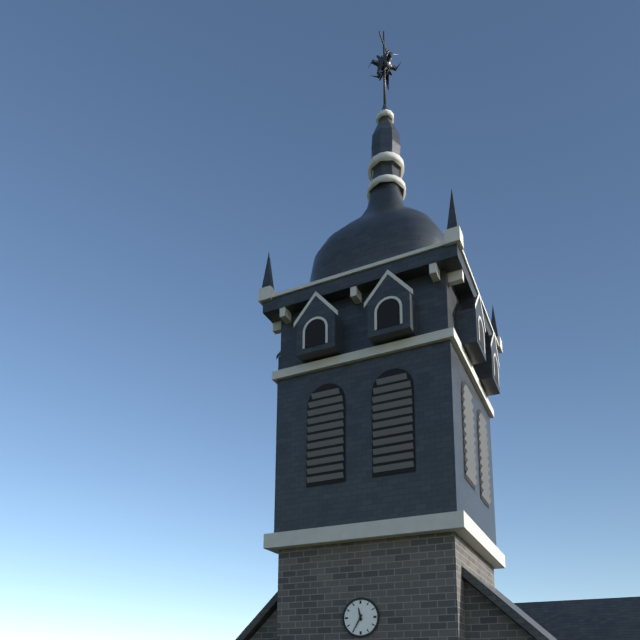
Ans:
h=11 m=35
